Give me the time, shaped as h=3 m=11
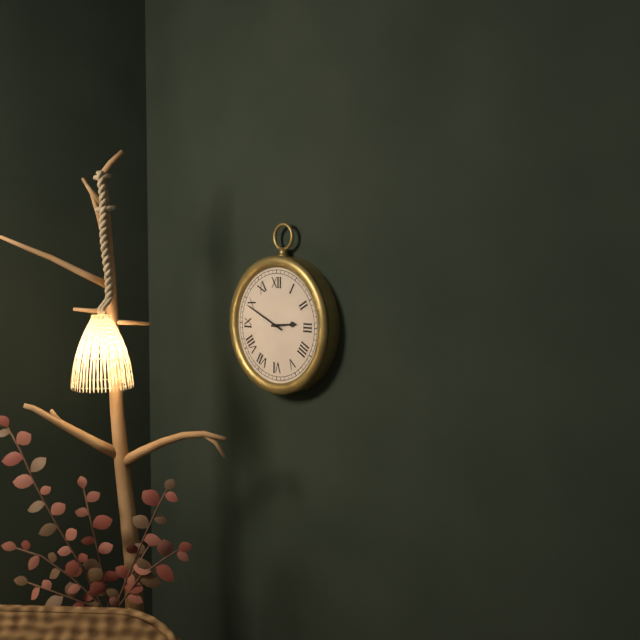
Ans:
h=2 m=49
